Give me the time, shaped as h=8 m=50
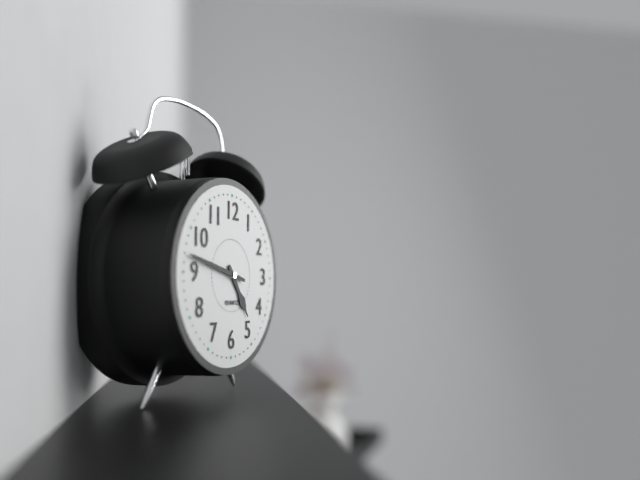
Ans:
h=4 m=47
